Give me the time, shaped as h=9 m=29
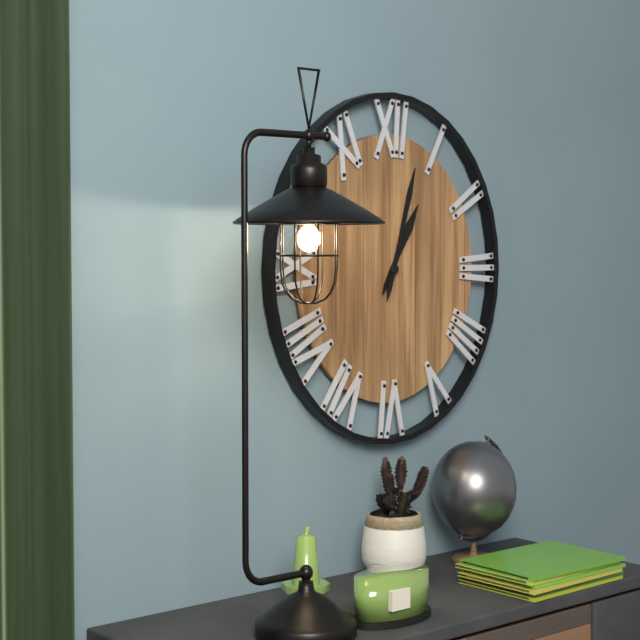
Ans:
h=1 m=3
